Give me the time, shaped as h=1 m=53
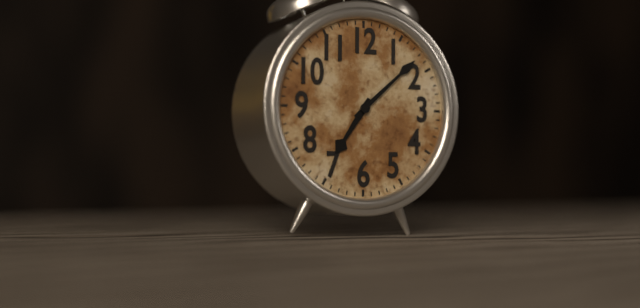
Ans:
h=7 m=8
